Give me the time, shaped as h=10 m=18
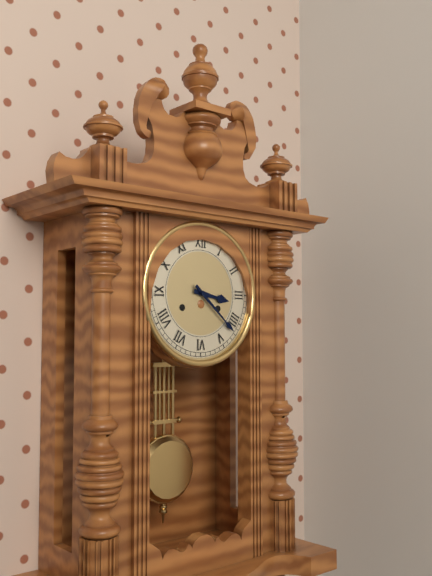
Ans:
h=3 m=22
